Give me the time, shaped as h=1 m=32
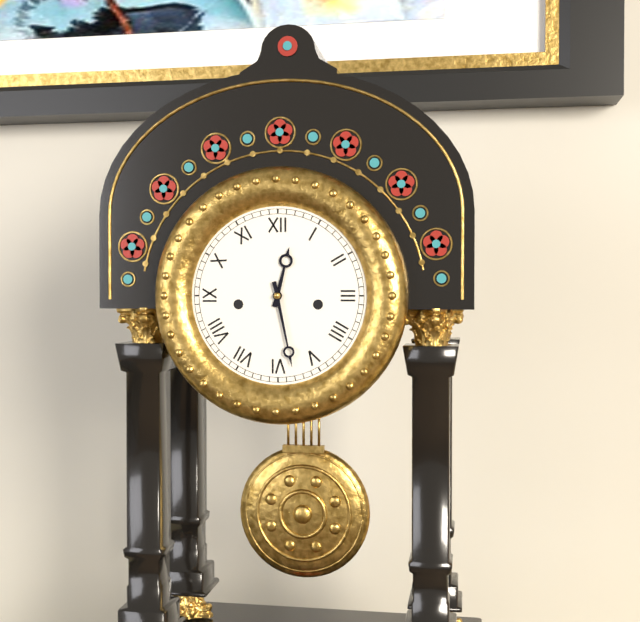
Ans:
h=12 m=28
